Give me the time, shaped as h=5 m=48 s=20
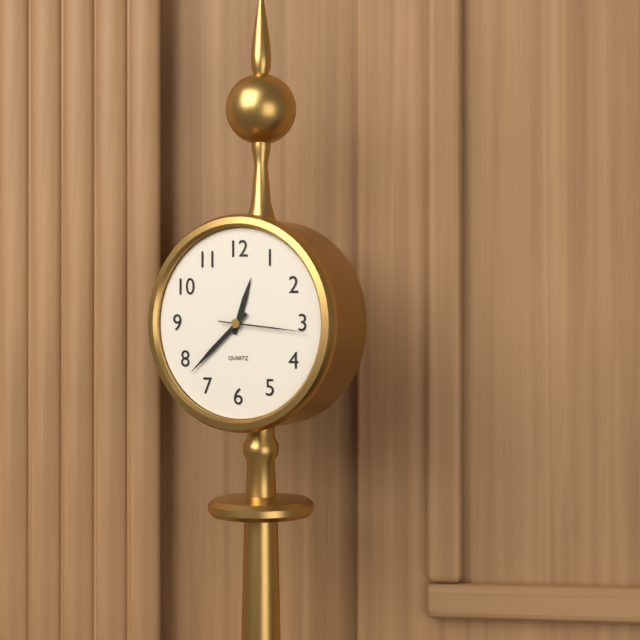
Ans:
h=12 m=38 s=16
